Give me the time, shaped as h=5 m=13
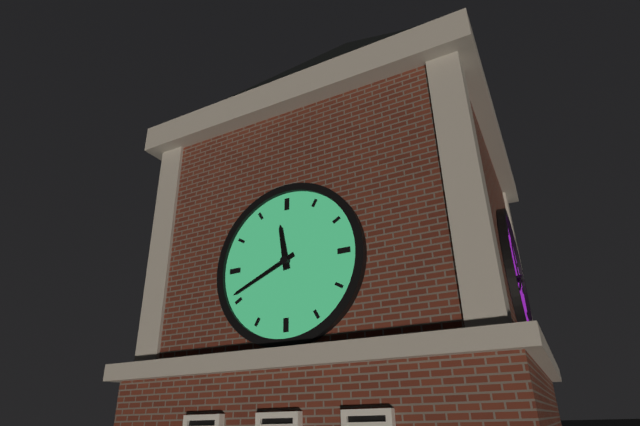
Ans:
h=11 m=41
